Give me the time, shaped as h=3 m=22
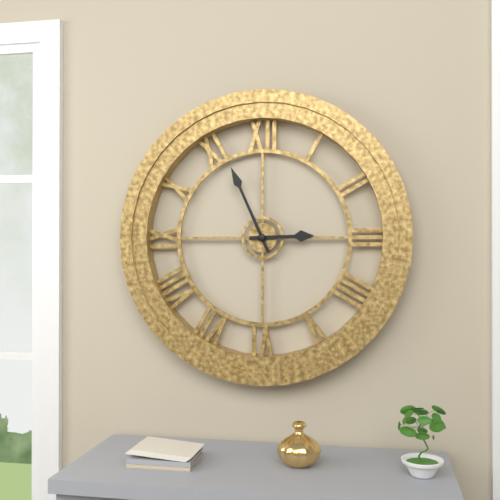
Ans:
h=2 m=56
